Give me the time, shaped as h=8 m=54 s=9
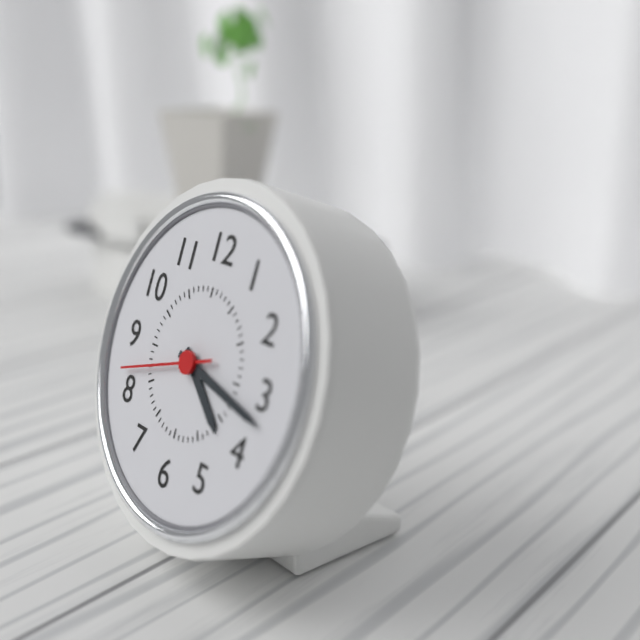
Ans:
h=4 m=17 s=42
